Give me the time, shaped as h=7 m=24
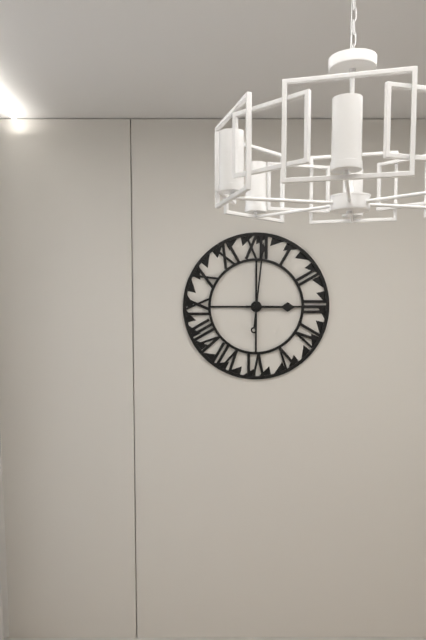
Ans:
h=3 m=1
